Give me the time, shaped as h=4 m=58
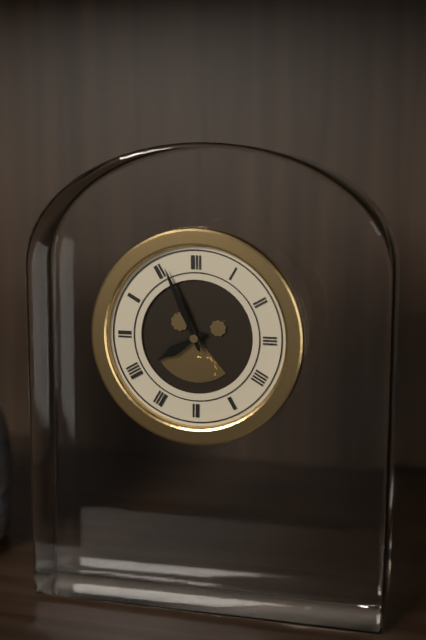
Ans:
h=7 m=56
